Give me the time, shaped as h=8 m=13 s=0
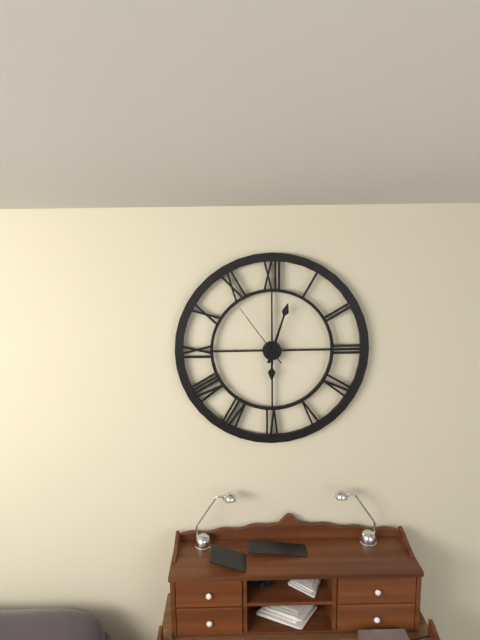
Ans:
h=6 m=3 s=54
